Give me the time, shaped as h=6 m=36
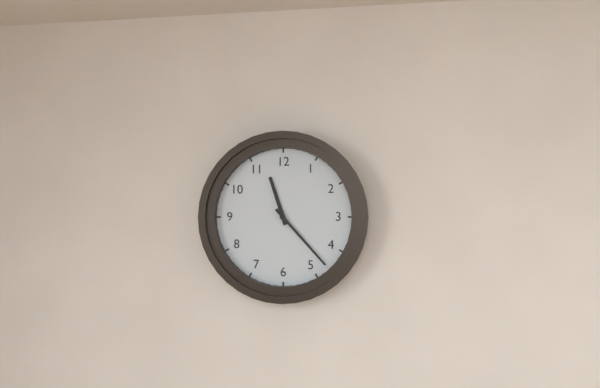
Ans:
h=11 m=23
